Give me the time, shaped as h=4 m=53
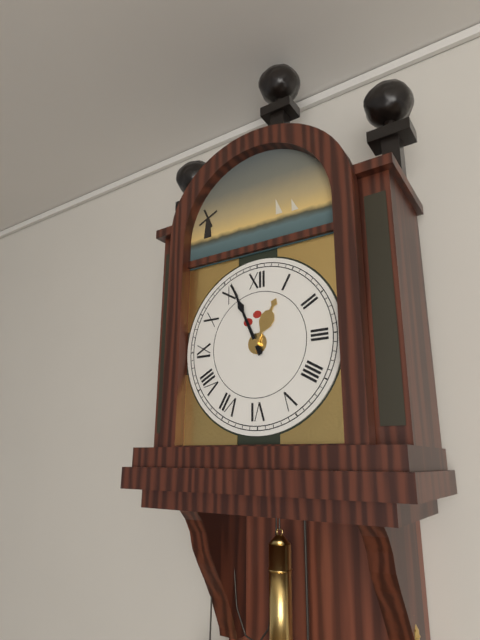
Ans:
h=12 m=56
